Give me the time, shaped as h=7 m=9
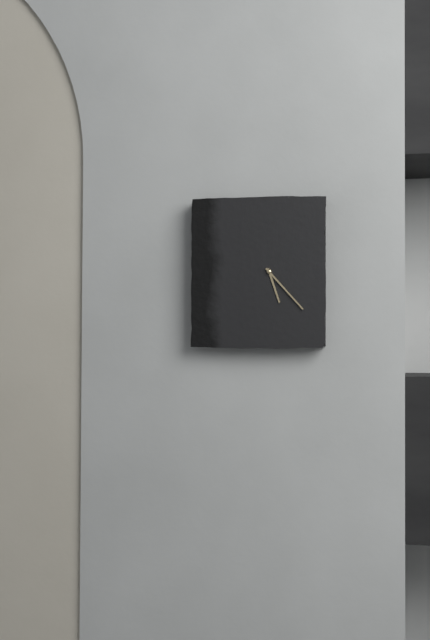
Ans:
h=5 m=23
